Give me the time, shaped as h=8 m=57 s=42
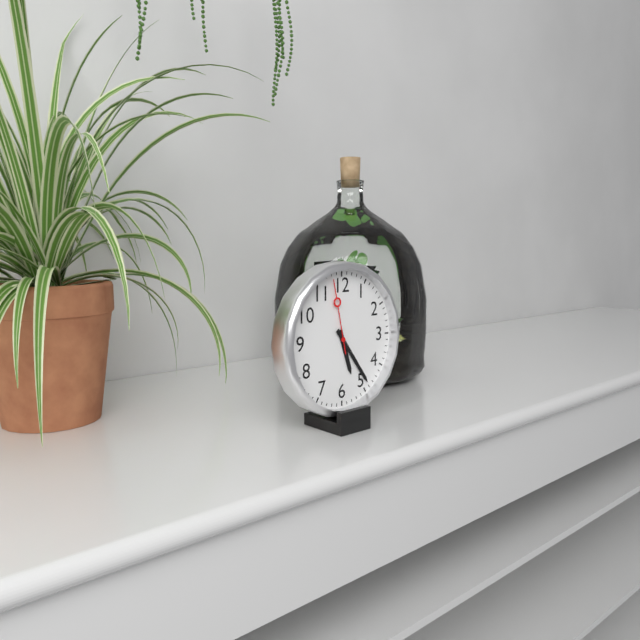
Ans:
h=5 m=24 s=58
